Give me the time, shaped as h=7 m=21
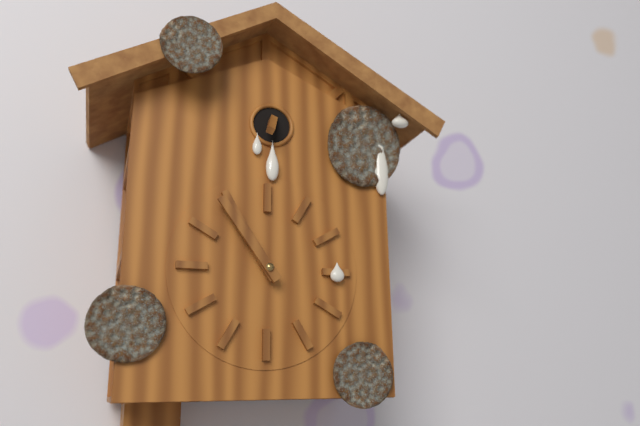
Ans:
h=10 m=54
